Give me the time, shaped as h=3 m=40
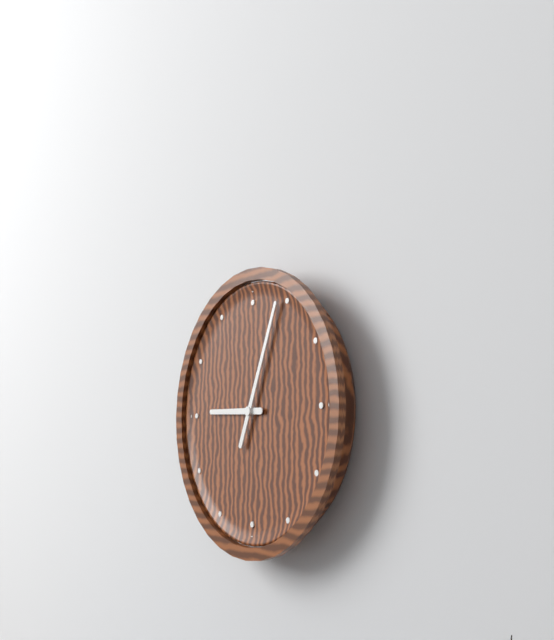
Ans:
h=9 m=4
